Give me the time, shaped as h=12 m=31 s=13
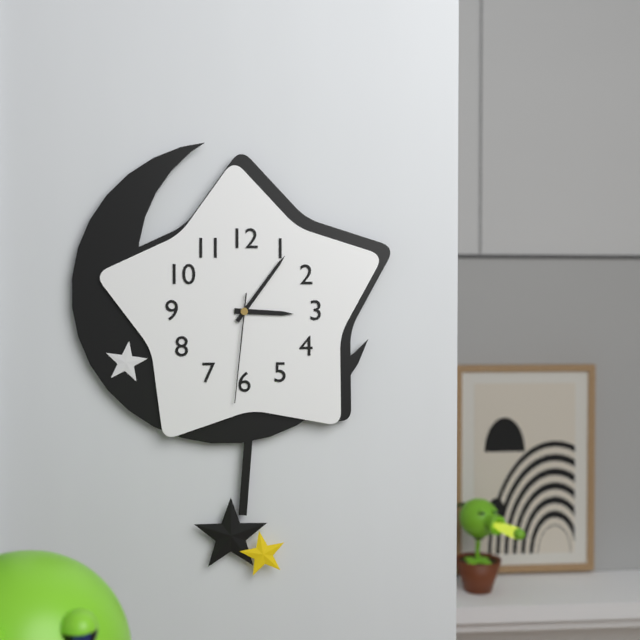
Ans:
h=3 m=6 s=31
